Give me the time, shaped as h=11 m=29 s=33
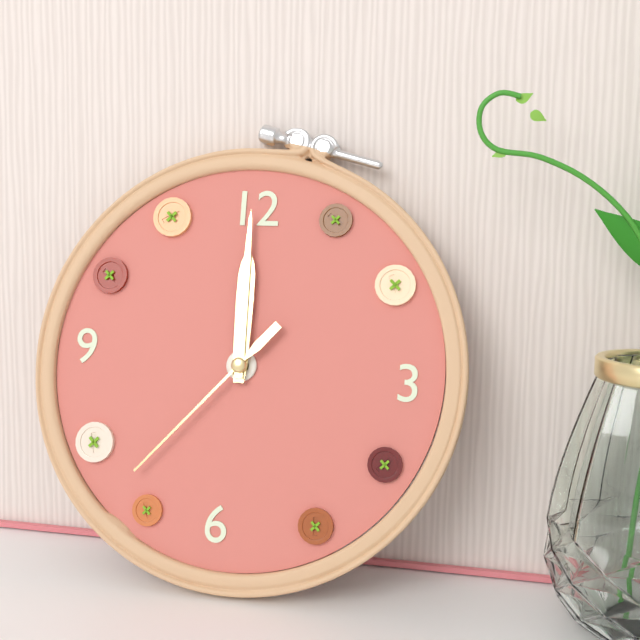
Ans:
h=12 m=0 s=37
